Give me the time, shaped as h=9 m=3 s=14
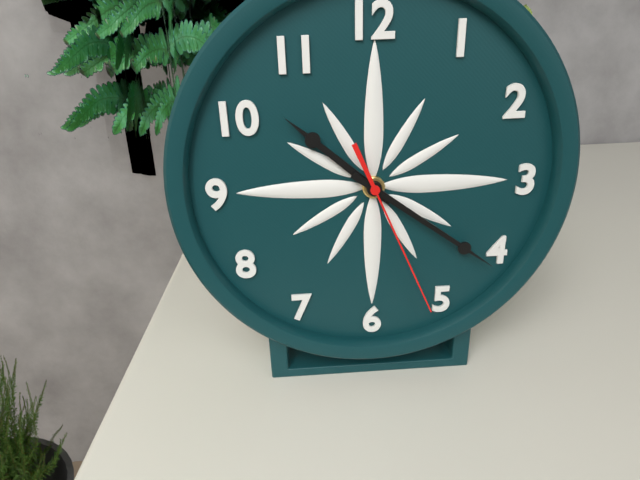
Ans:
h=10 m=21 s=26
